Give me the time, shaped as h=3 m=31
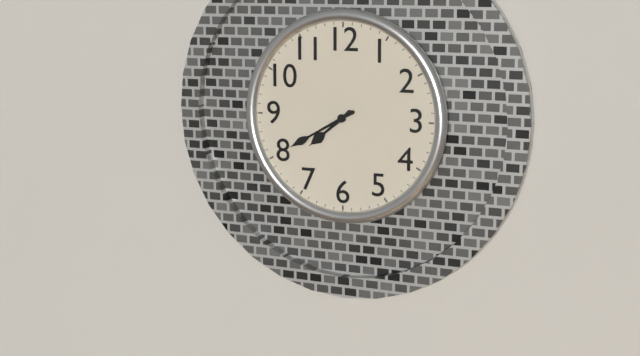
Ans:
h=7 m=40
